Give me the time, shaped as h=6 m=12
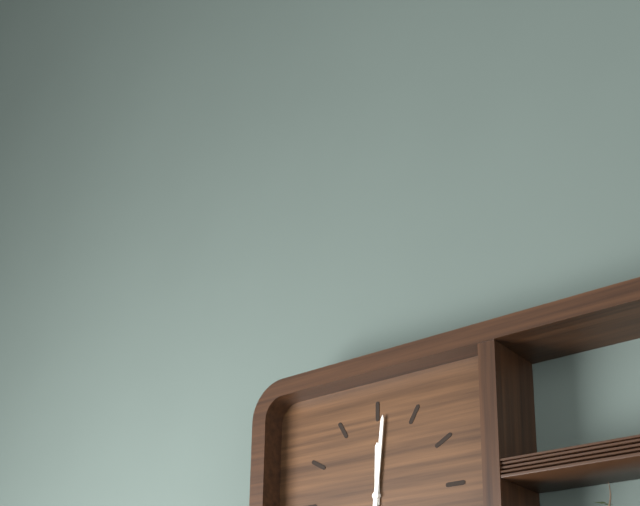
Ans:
h=12 m=1
